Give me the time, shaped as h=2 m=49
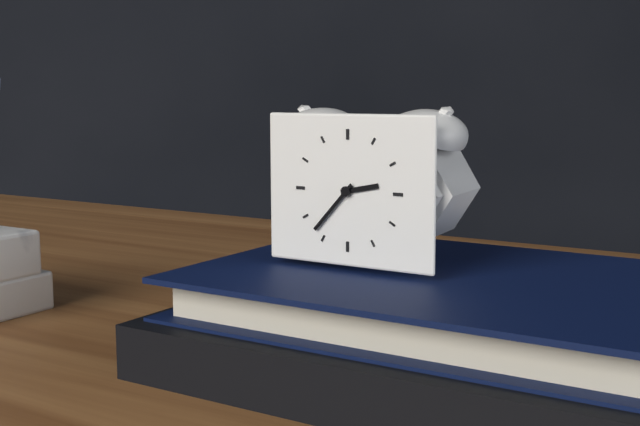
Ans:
h=2 m=37
